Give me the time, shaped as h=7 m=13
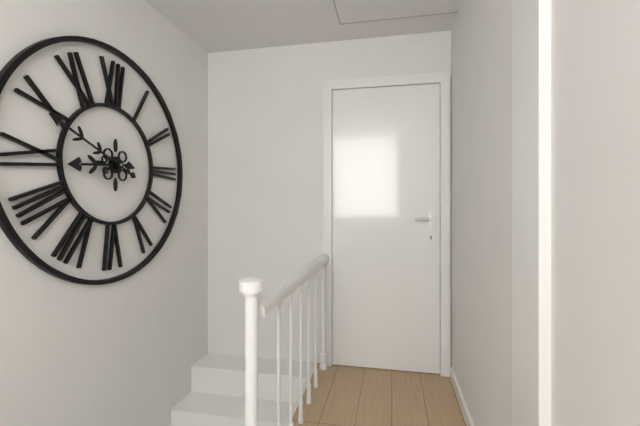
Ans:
h=8 m=49
